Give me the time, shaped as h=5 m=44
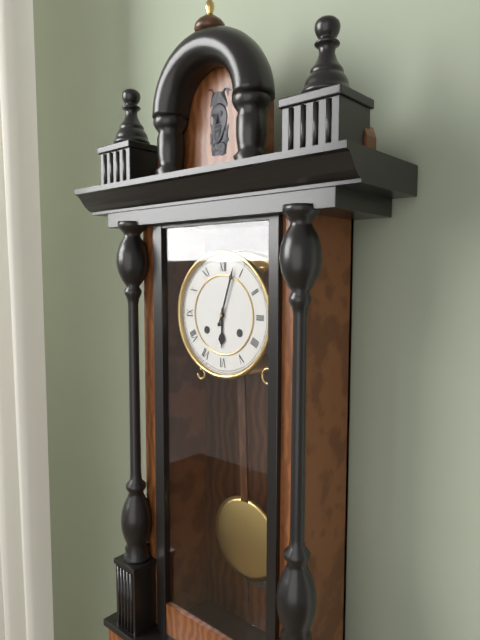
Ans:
h=6 m=3
